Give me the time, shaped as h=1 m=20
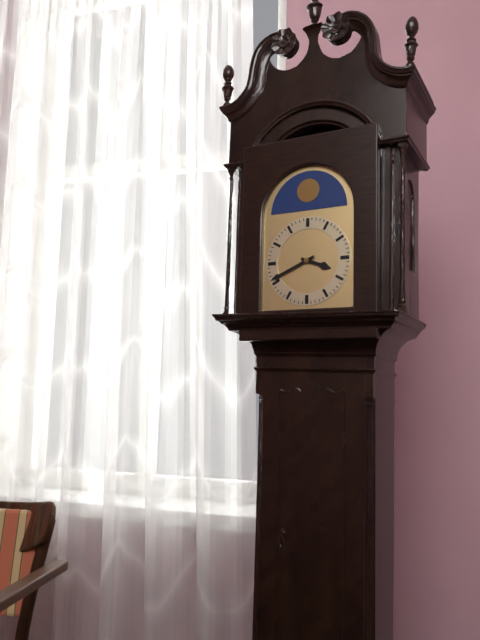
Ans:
h=3 m=41
